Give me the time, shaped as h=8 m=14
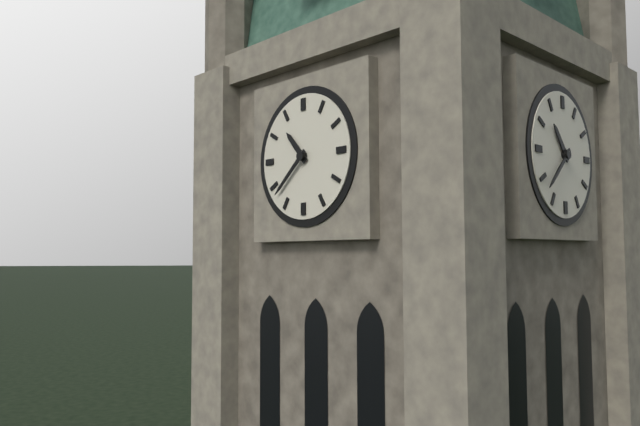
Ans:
h=10 m=38
